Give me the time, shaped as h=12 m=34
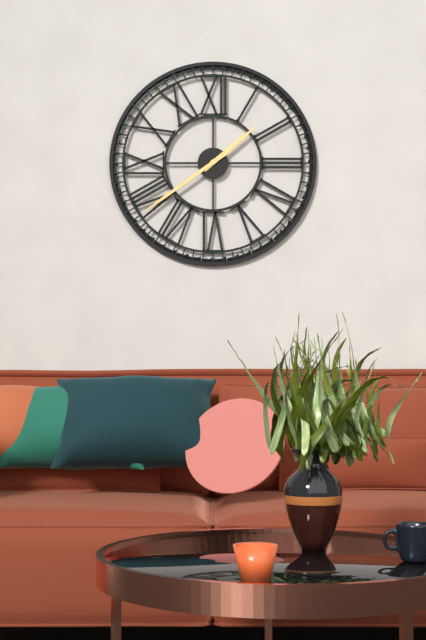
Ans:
h=1 m=39
